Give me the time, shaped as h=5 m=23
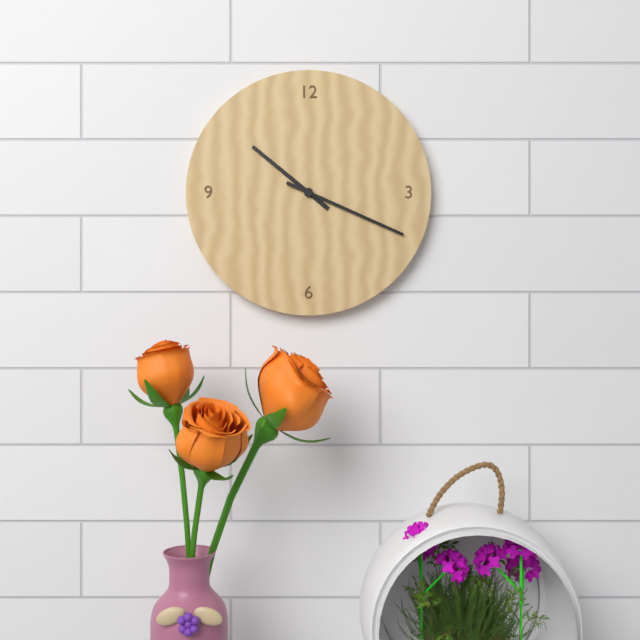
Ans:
h=10 m=19
